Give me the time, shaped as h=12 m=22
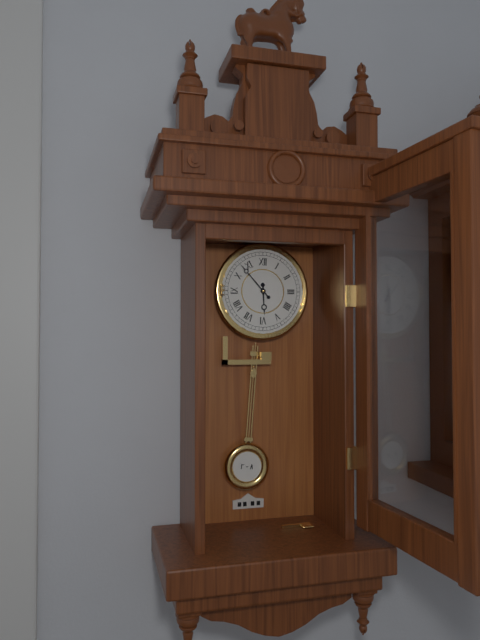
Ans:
h=5 m=53
